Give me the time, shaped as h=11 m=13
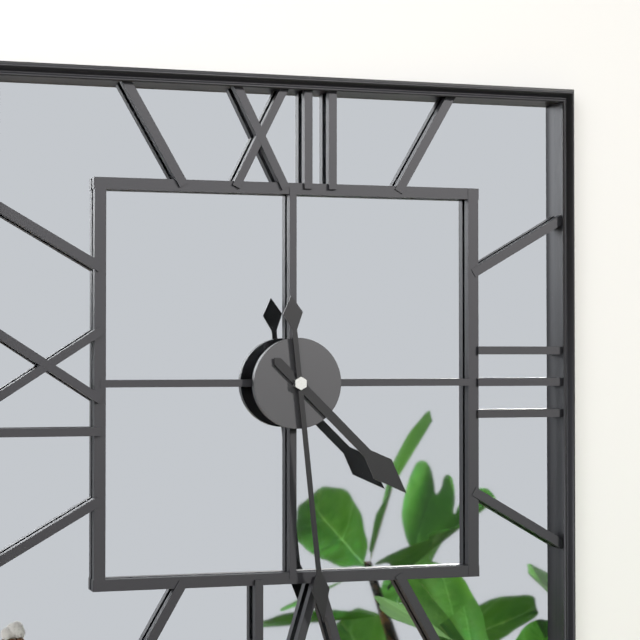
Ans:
h=4 m=29
